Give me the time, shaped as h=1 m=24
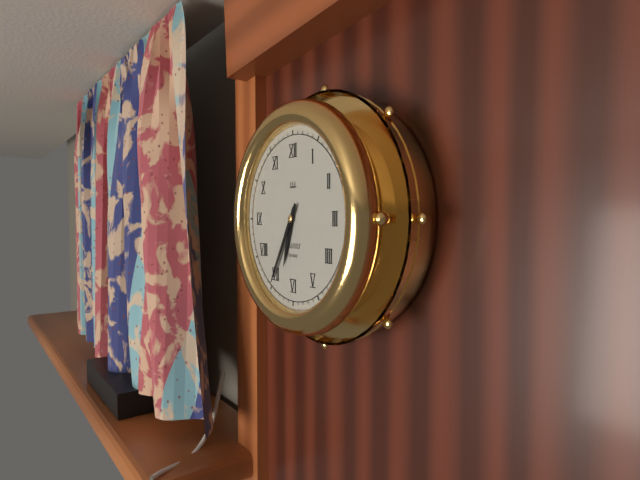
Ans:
h=6 m=35
